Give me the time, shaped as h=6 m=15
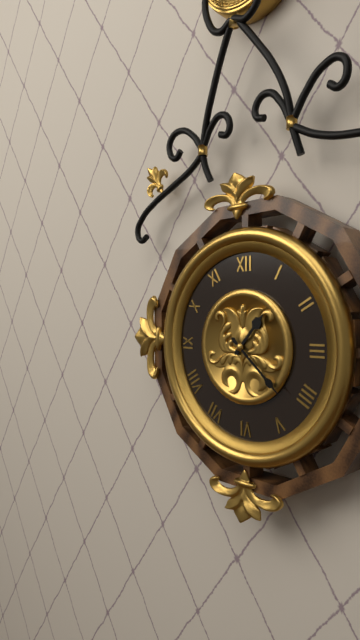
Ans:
h=1 m=22
